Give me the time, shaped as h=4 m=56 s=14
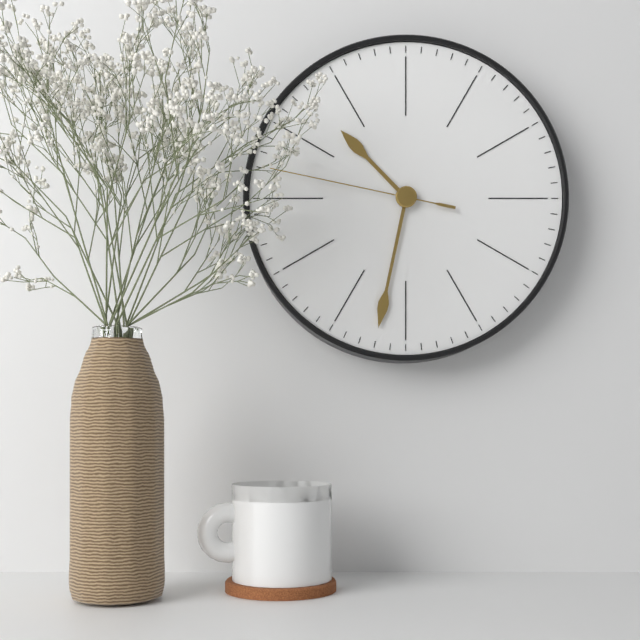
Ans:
h=10 m=32 s=47
